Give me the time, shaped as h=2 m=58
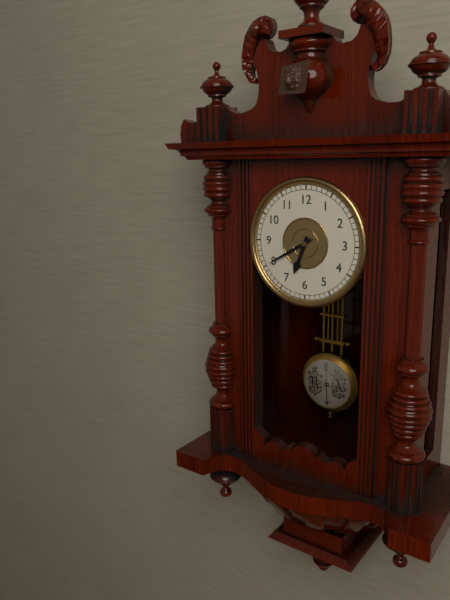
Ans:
h=6 m=40
